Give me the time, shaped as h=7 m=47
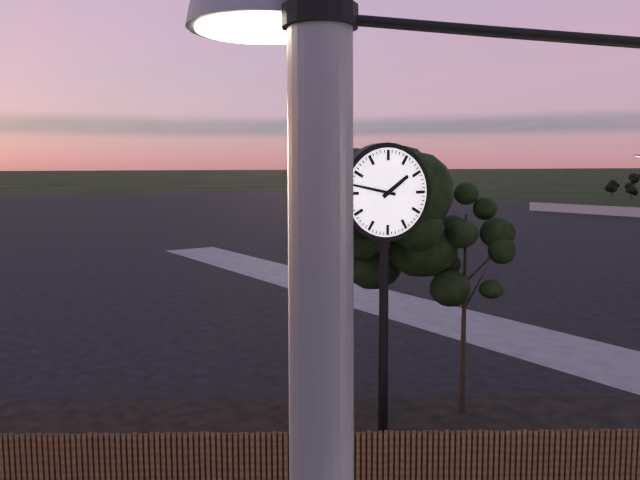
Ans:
h=1 m=47
